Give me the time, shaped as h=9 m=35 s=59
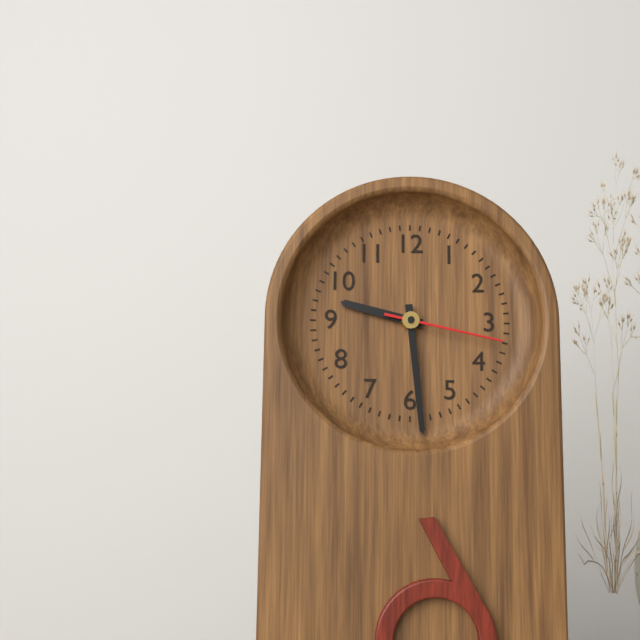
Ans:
h=9 m=29 s=17
